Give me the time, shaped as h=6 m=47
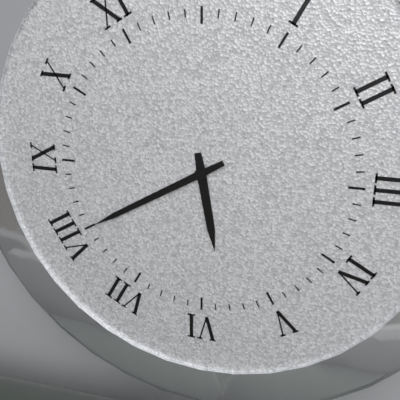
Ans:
h=5 m=40
